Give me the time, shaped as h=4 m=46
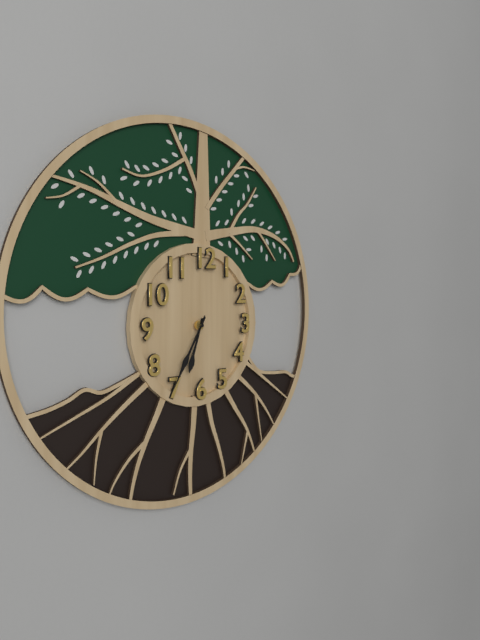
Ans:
h=6 m=35
